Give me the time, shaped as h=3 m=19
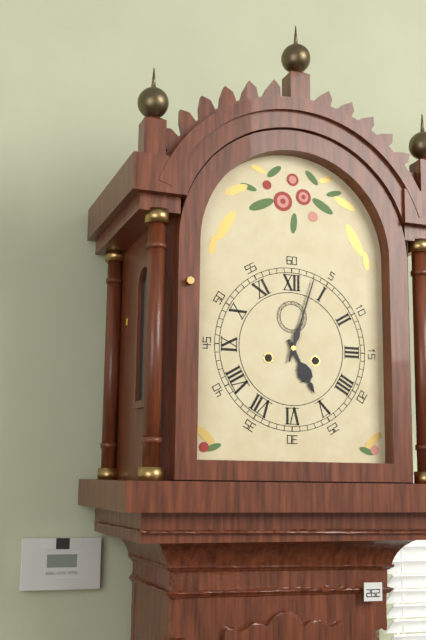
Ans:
h=5 m=3
